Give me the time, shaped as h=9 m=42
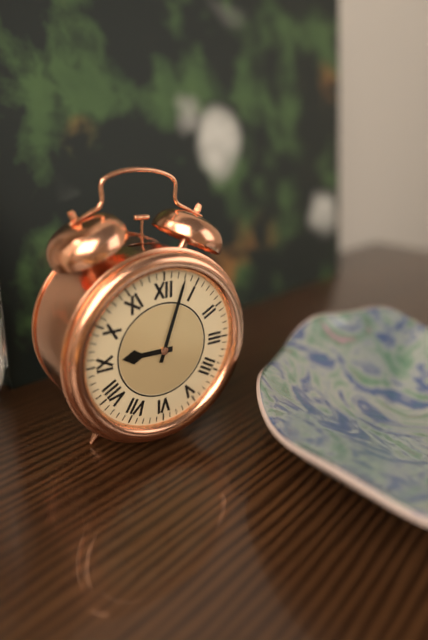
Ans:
h=9 m=3
